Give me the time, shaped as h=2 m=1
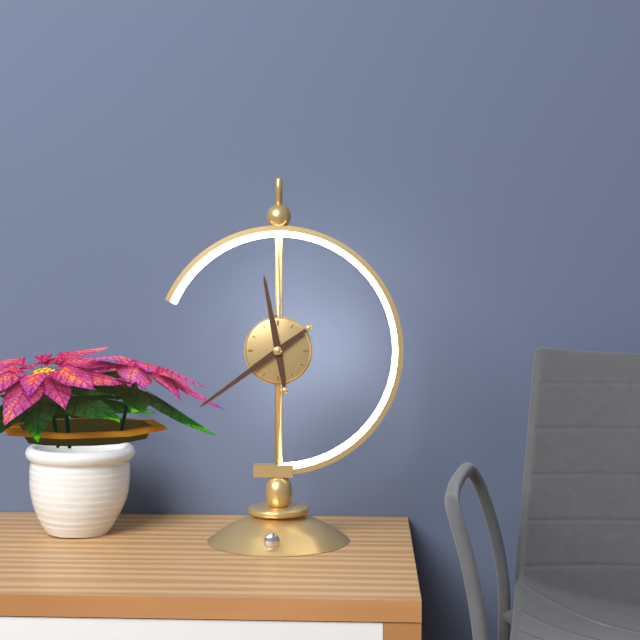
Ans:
h=11 m=39
